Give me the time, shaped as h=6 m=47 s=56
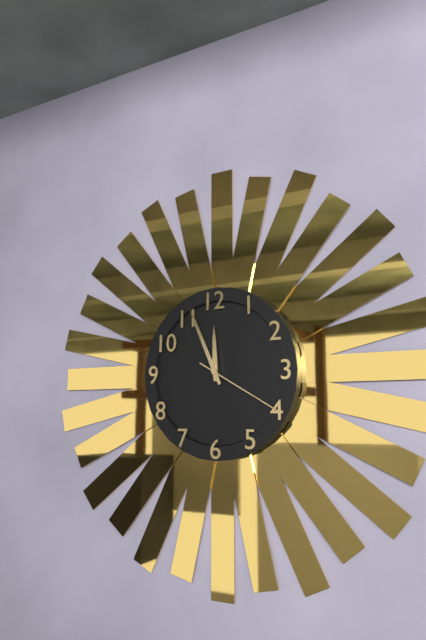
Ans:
h=11 m=56 s=20
